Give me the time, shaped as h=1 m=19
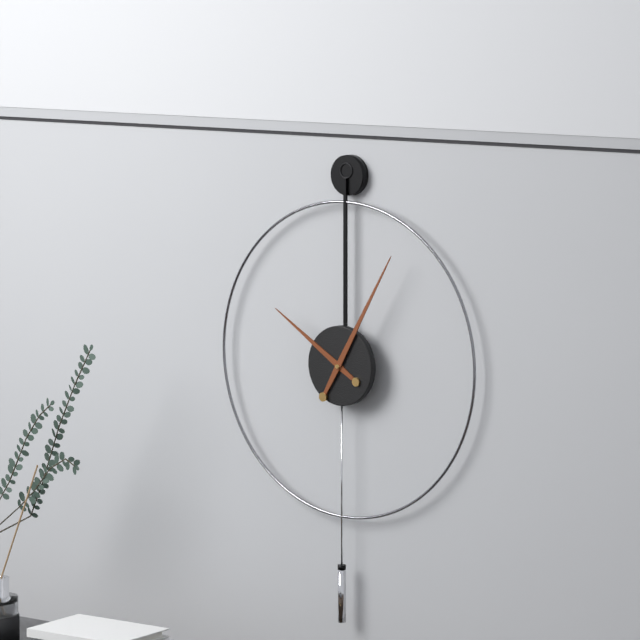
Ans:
h=10 m=5
